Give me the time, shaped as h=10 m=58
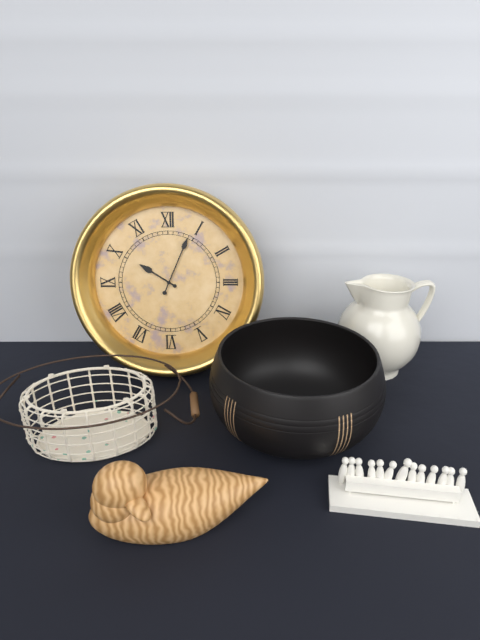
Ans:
h=10 m=4
